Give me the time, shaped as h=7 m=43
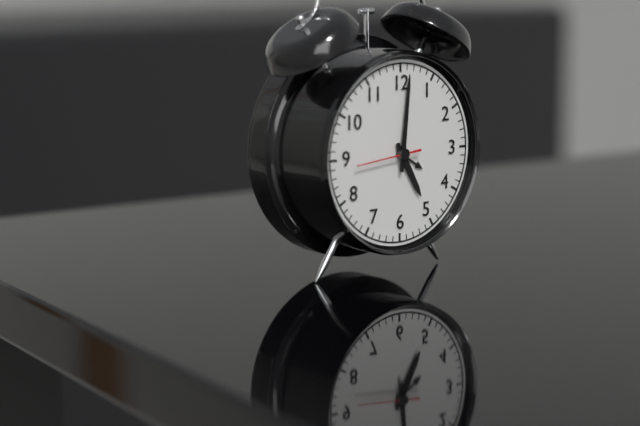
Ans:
h=5 m=1
